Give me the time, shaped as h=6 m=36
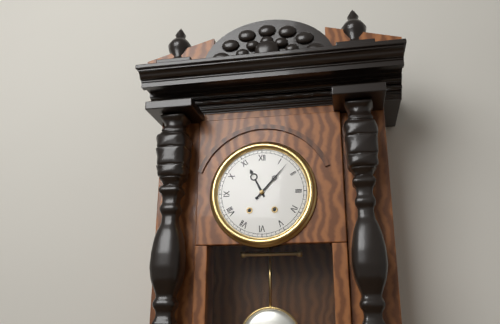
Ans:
h=11 m=7
